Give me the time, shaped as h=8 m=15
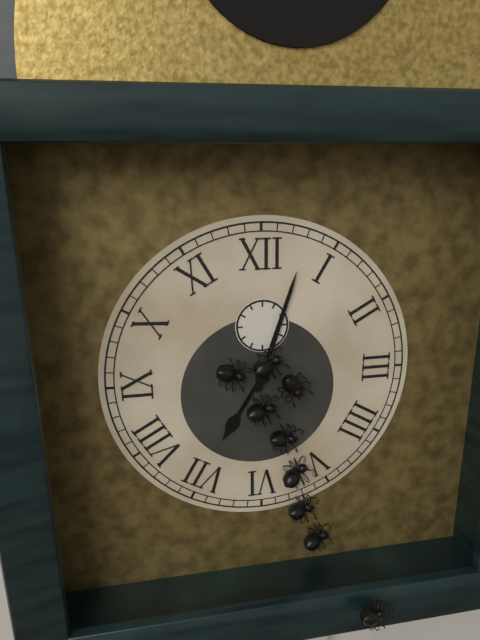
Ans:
h=7 m=3
